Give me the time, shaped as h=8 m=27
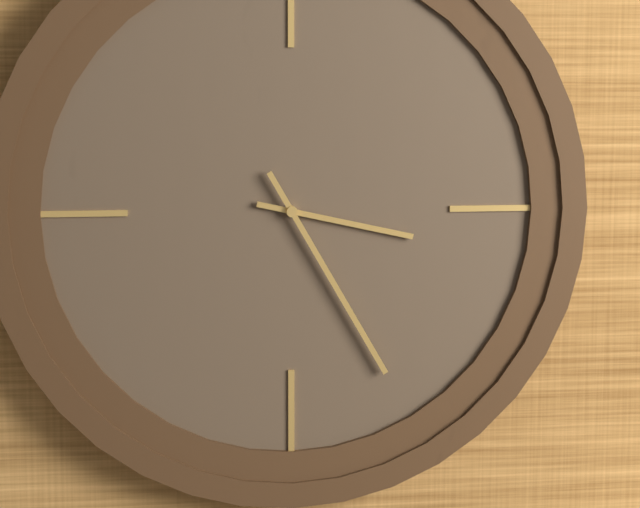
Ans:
h=3 m=25
